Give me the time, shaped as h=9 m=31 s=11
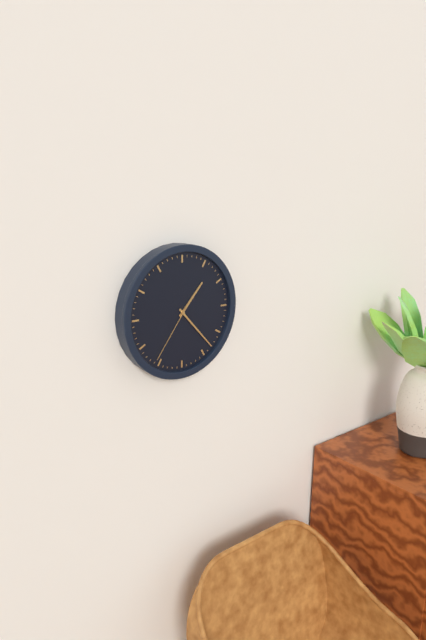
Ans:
h=1 m=23 s=36
